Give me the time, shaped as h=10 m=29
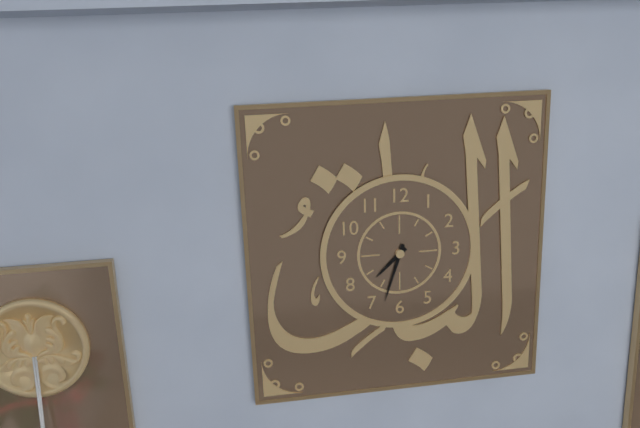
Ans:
h=7 m=33
